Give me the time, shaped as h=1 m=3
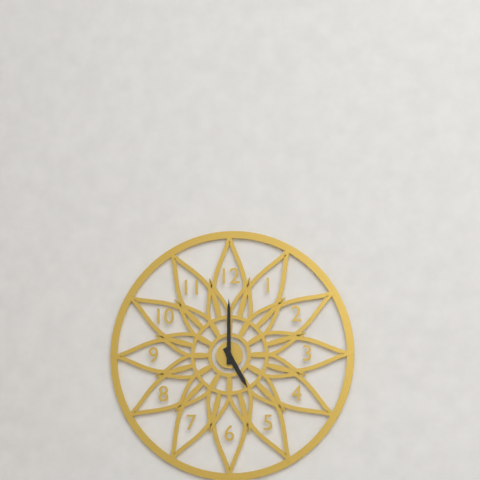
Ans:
h=5 m=0
